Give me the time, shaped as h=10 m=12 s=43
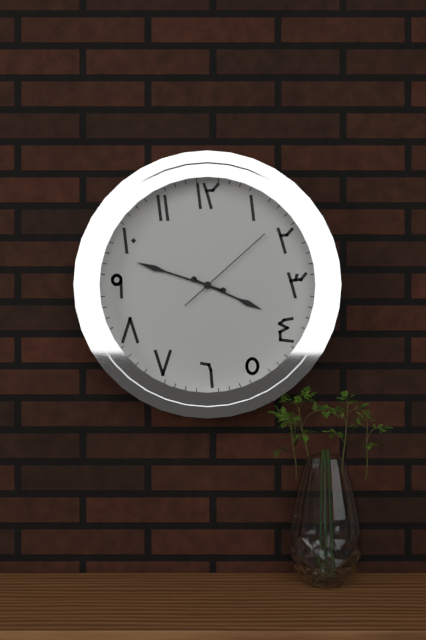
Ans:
h=3 m=48 s=8
